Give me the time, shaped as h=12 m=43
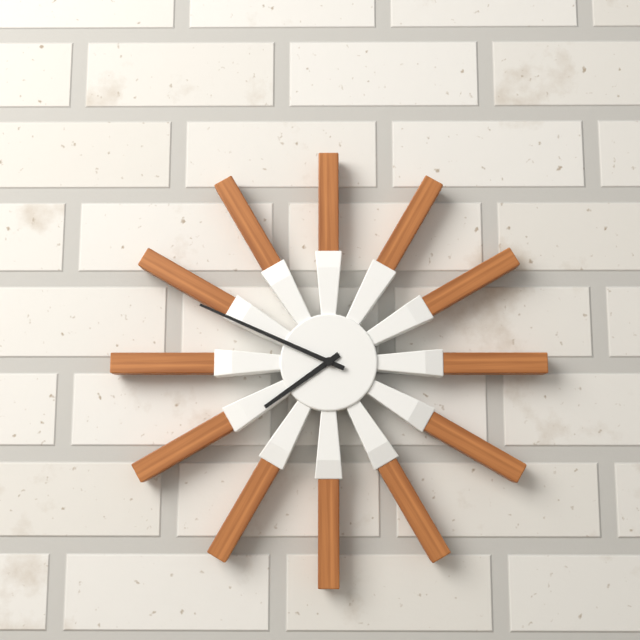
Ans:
h=7 m=49
